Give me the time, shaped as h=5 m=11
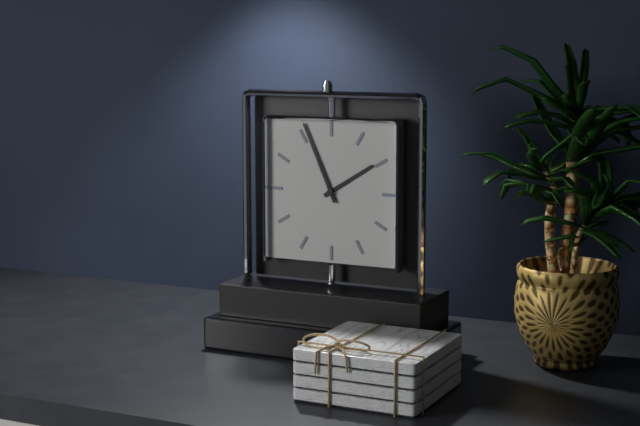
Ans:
h=1 m=56
